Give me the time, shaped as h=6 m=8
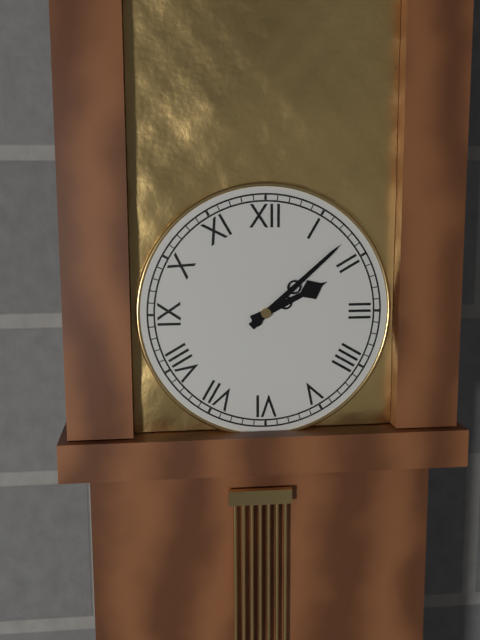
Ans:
h=2 m=8
